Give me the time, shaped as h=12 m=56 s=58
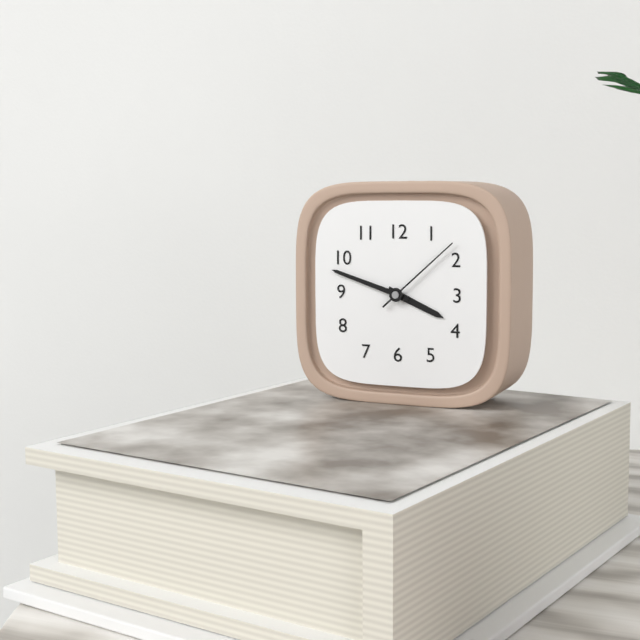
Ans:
h=3 m=48 s=8
